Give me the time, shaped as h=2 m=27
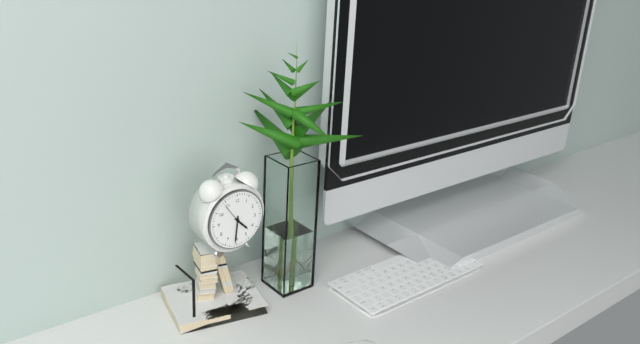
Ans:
h=4 m=31
